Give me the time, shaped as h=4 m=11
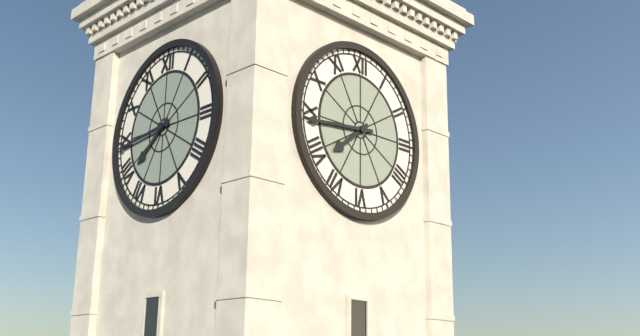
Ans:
h=7 m=44
